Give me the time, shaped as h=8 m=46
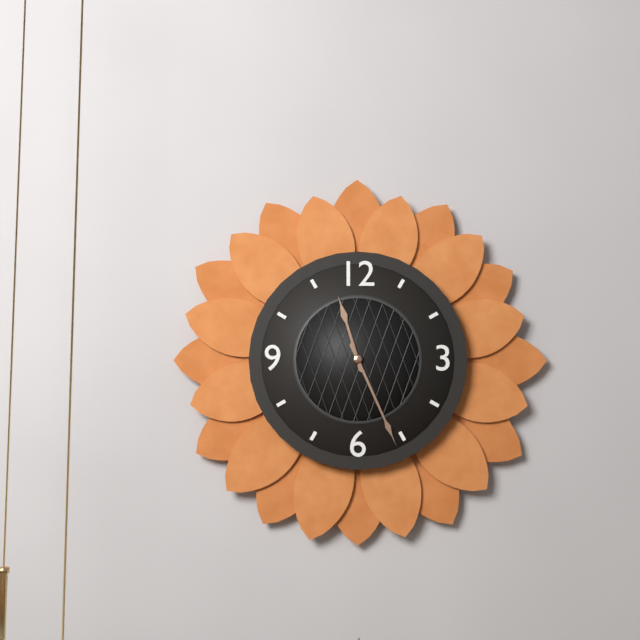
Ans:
h=11 m=26
